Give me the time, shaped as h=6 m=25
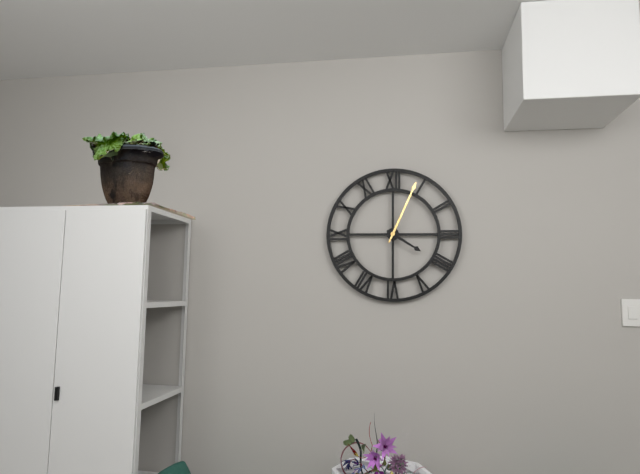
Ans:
h=4 m=4
